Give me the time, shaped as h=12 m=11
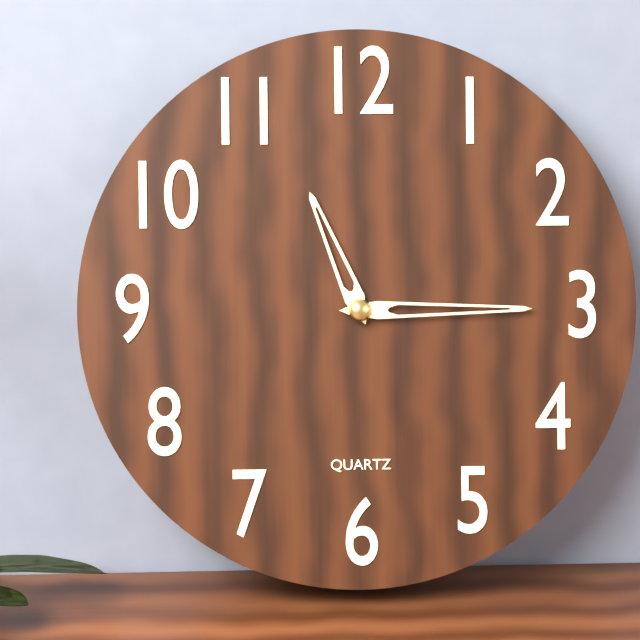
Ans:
h=11 m=15
